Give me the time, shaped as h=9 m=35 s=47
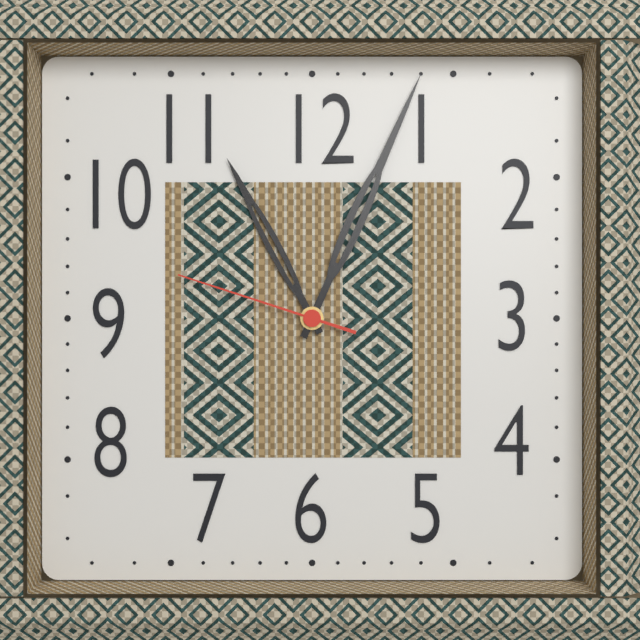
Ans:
h=11 m=4 s=48
